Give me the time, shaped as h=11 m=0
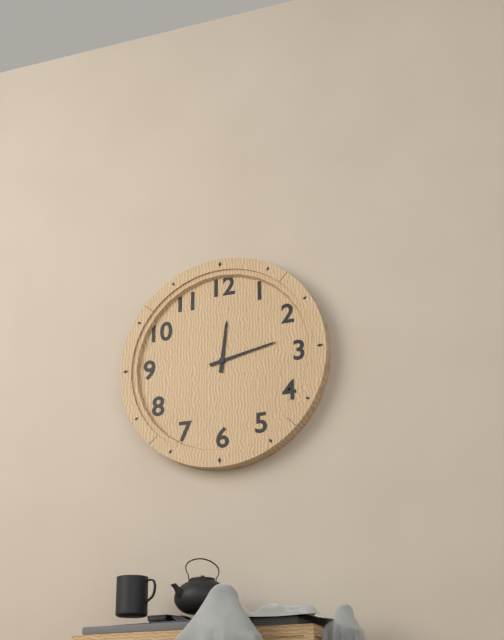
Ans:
h=12 m=13
